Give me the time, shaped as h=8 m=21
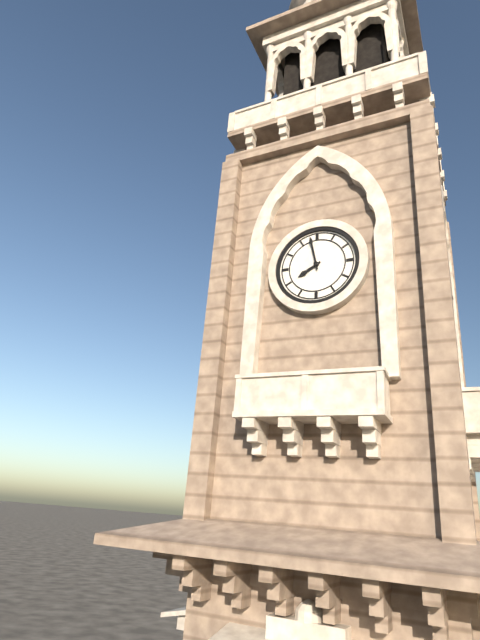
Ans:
h=7 m=58
